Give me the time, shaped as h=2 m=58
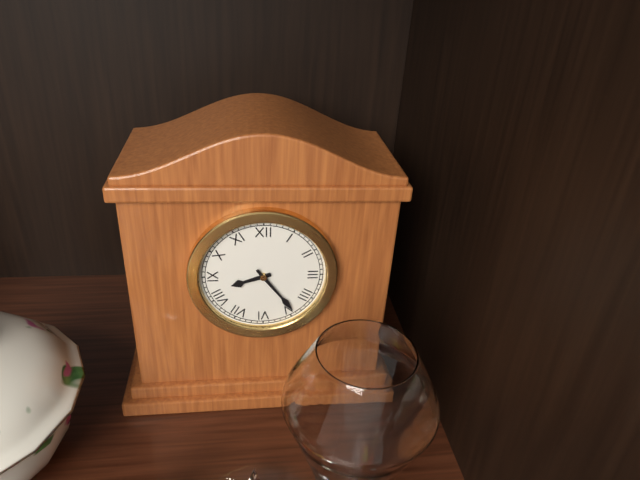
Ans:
h=8 m=24
